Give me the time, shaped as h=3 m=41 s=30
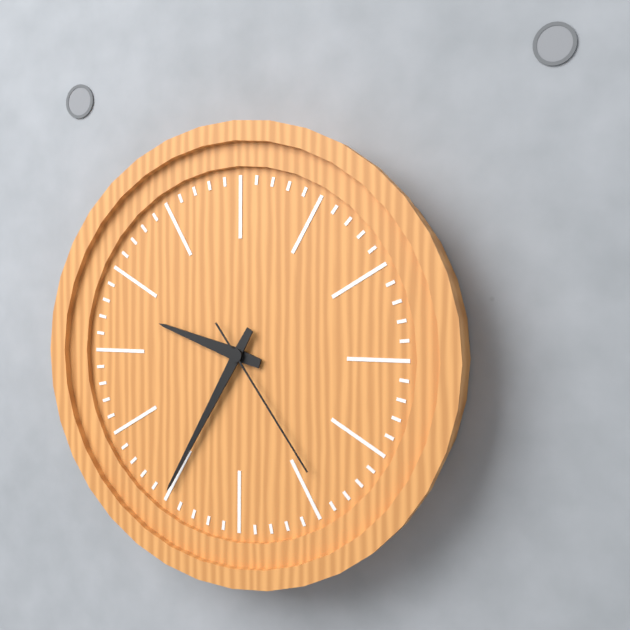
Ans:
h=9 m=35 s=24
